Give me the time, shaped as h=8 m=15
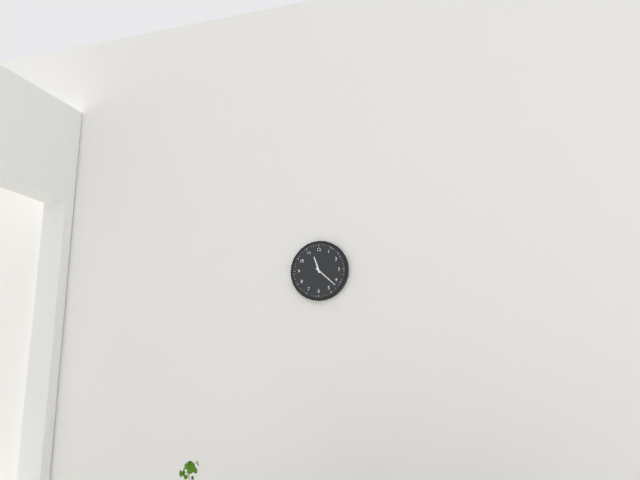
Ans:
h=11 m=22
